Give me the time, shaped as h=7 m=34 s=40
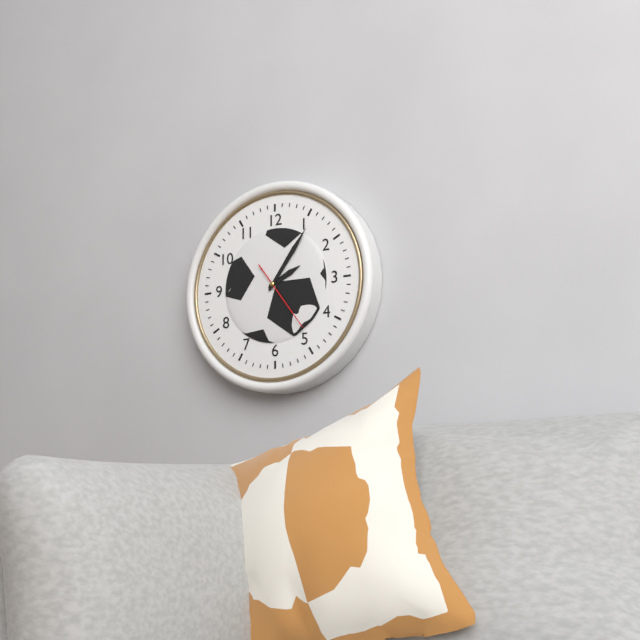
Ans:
h=2 m=6 s=24
